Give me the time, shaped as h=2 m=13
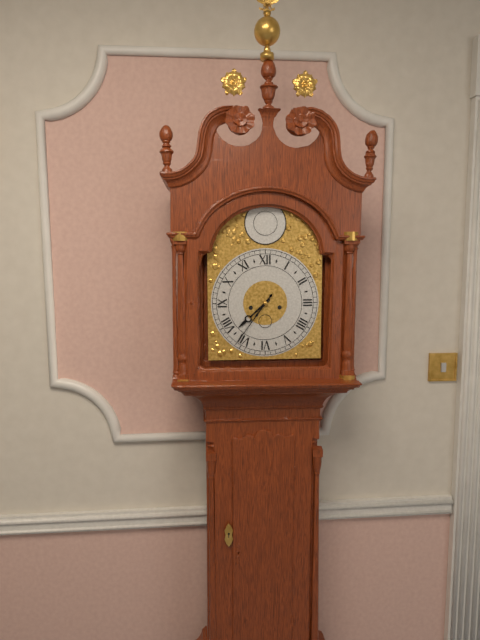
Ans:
h=7 m=36
